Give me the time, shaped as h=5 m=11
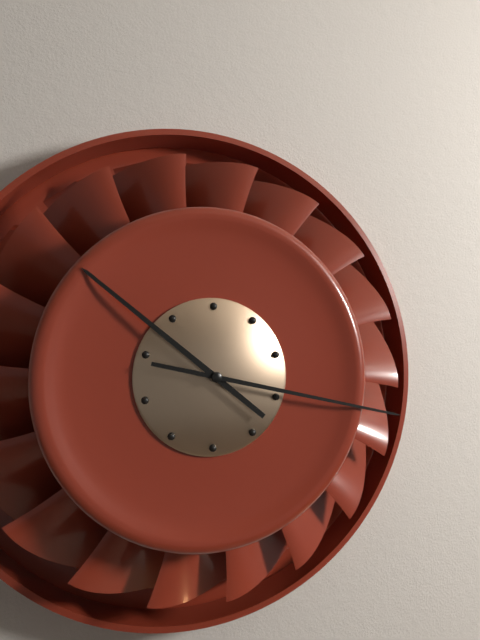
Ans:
h=10 m=17
